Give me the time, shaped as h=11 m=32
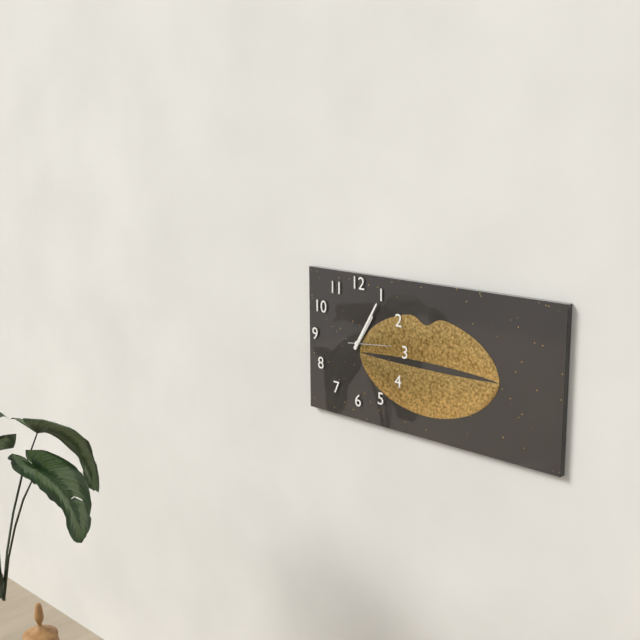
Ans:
h=1 m=5
